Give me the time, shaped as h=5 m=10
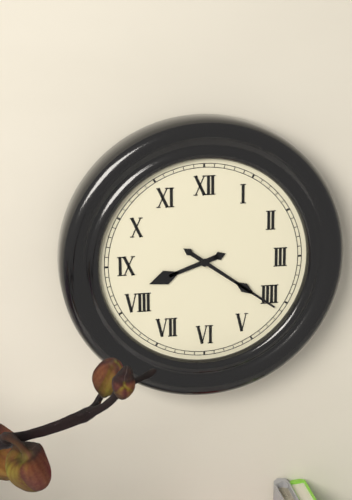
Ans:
h=8 m=21
